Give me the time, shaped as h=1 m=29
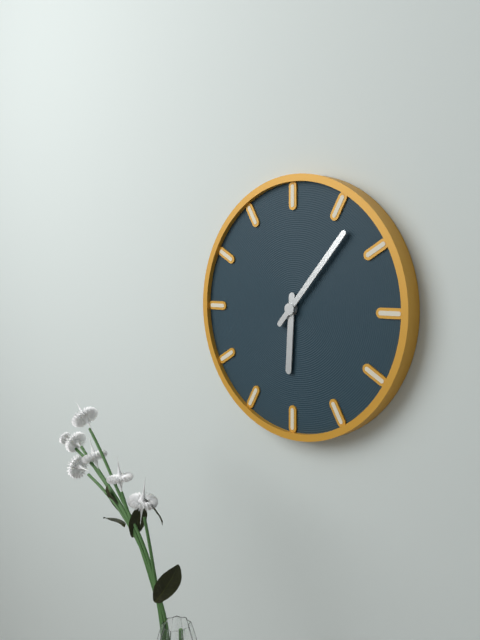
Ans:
h=6 m=7
